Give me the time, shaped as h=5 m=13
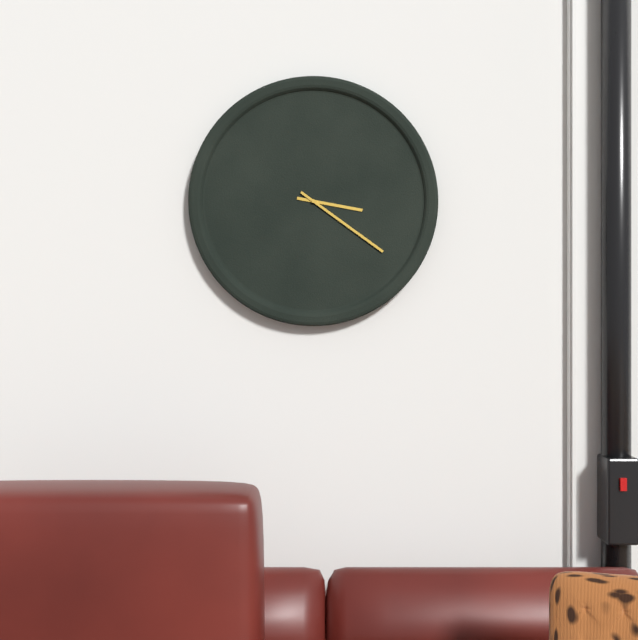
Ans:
h=3 m=21
